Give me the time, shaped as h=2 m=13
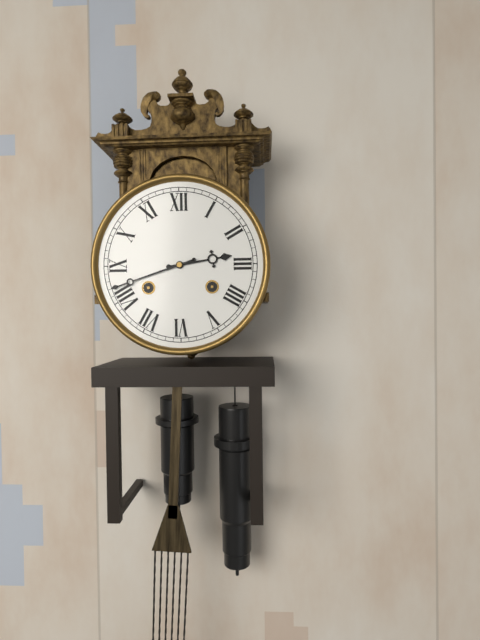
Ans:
h=2 m=42
